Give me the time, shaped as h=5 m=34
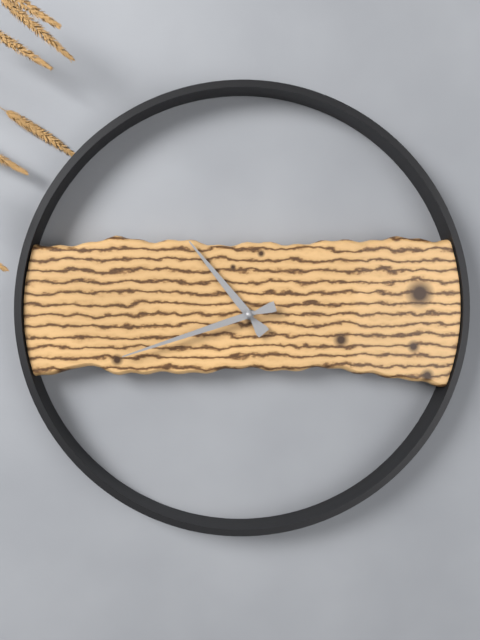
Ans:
h=10 m=42
